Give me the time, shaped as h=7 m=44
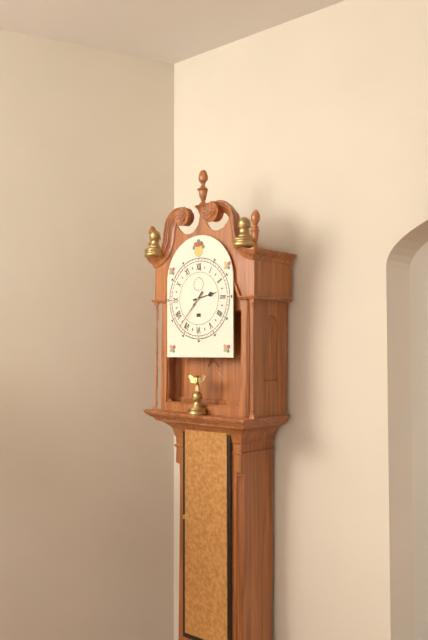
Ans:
h=2 m=37
